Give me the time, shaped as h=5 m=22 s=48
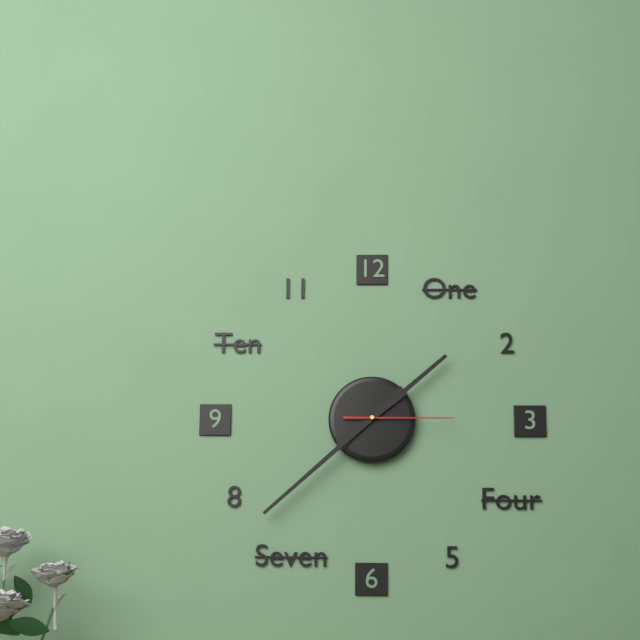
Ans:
h=1 m=38 s=15
